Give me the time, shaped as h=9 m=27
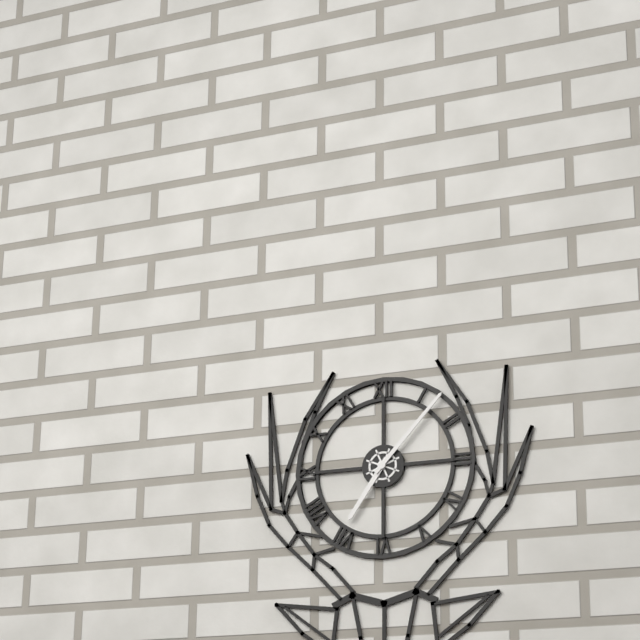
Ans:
h=7 m=7
